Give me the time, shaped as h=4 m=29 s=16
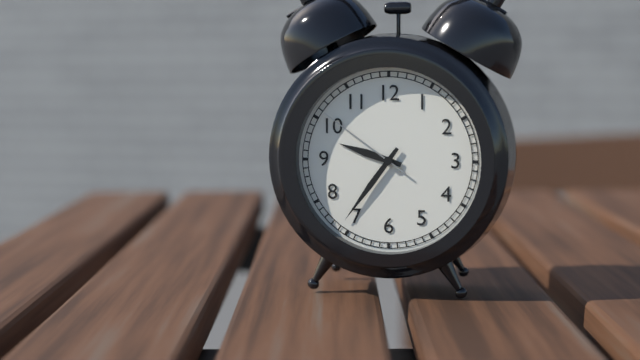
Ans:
h=9 m=36 s=51
